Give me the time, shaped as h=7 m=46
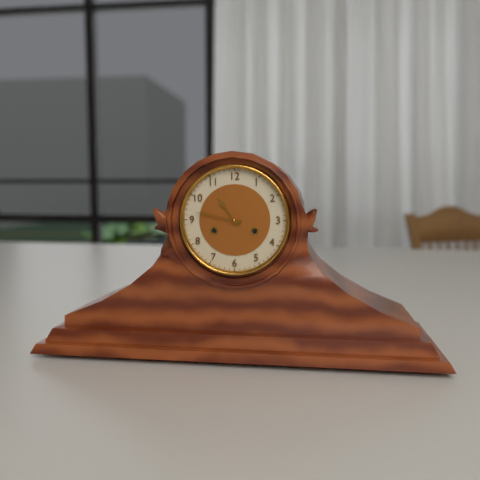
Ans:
h=10 m=47
